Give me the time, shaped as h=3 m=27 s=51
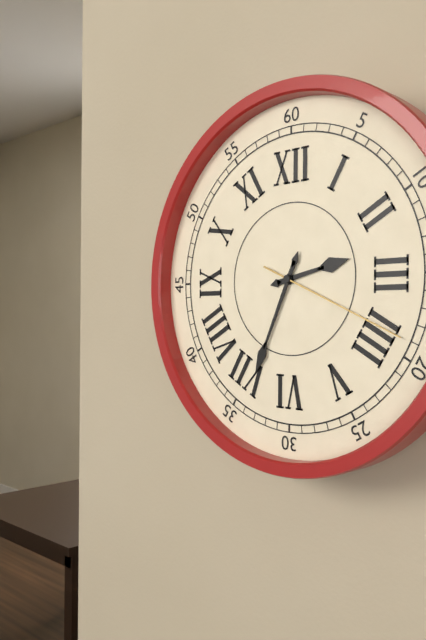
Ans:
h=2 m=34 s=19
